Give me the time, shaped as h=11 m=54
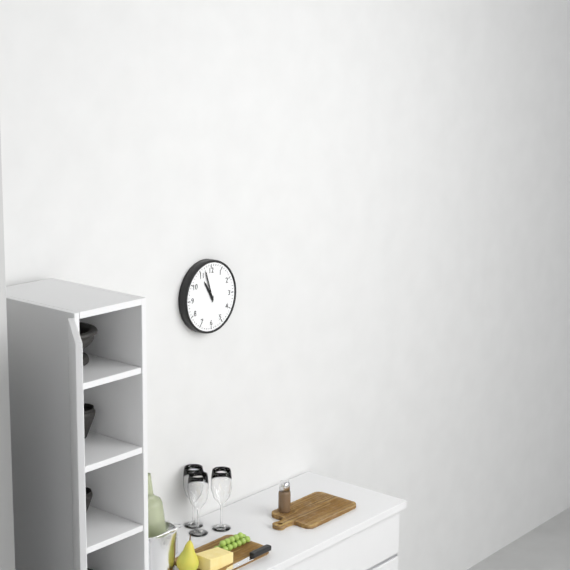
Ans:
h=10 m=57
